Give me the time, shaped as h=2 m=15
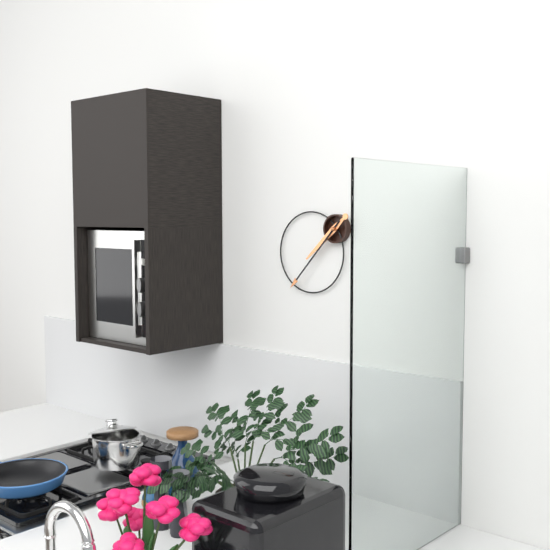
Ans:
h=7 m=37
